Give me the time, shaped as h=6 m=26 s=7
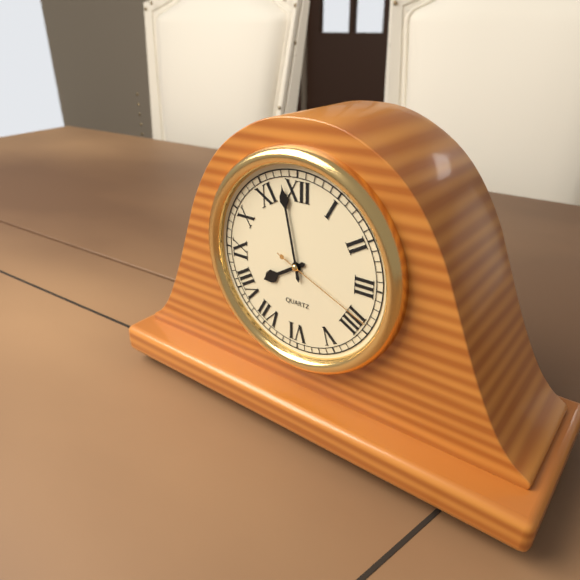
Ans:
h=7 m=58 s=19
